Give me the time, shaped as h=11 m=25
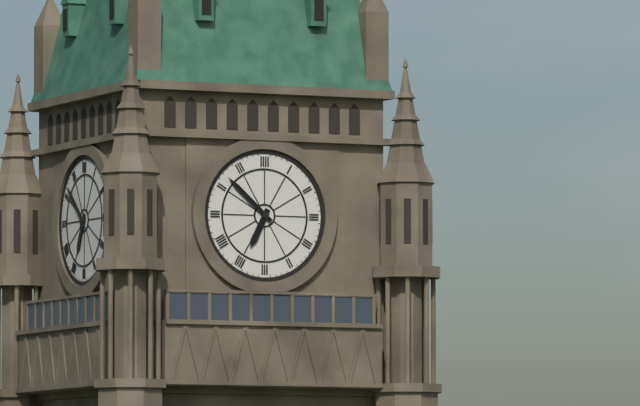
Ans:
h=6 m=52
